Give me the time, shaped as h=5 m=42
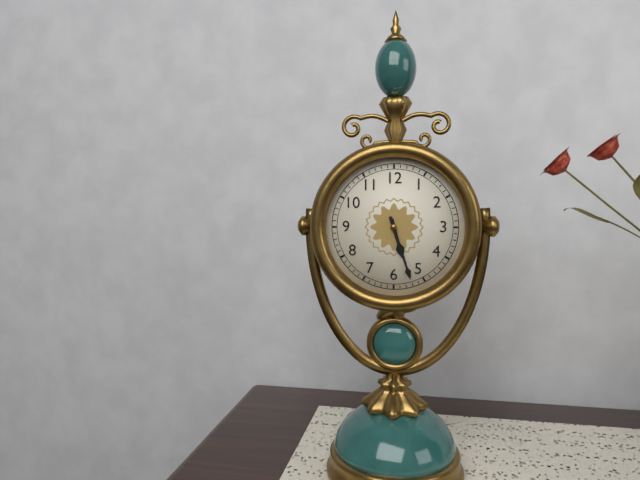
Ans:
h=5 m=27
